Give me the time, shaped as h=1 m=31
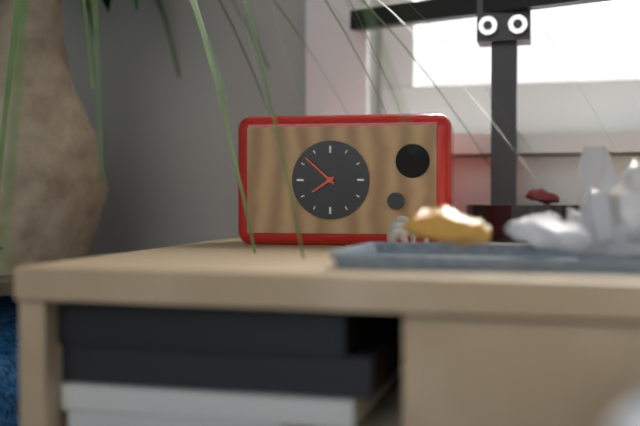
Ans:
h=7 m=52
